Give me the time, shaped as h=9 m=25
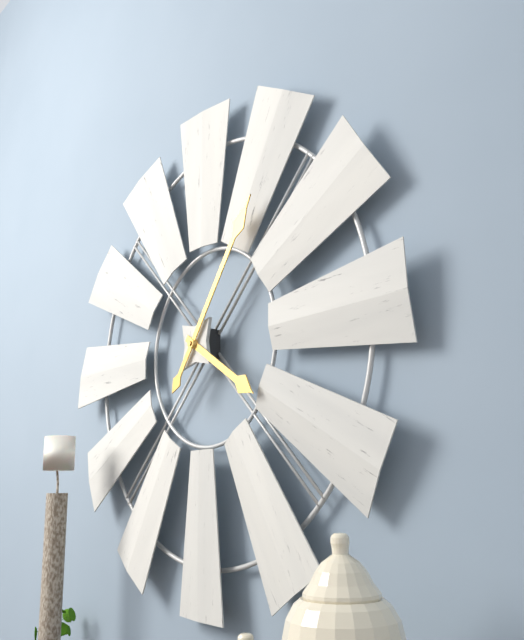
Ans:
h=4 m=6
